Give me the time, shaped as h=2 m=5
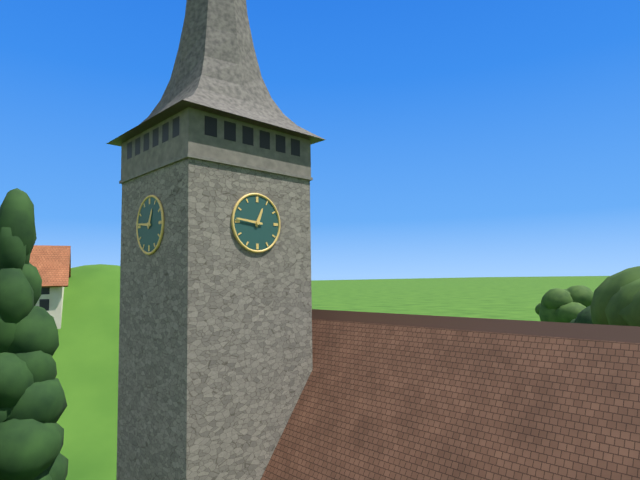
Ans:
h=12 m=46
